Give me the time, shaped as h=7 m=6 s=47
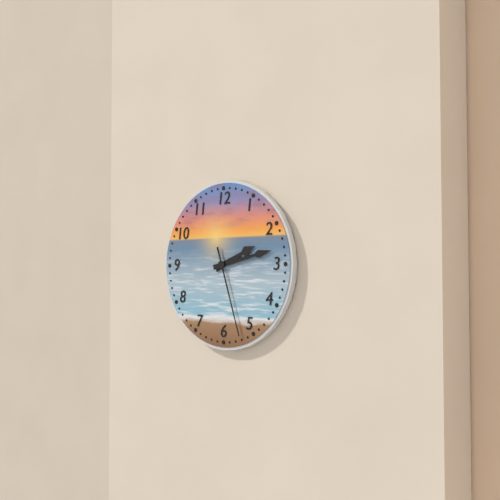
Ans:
h=2 m=13 s=27
